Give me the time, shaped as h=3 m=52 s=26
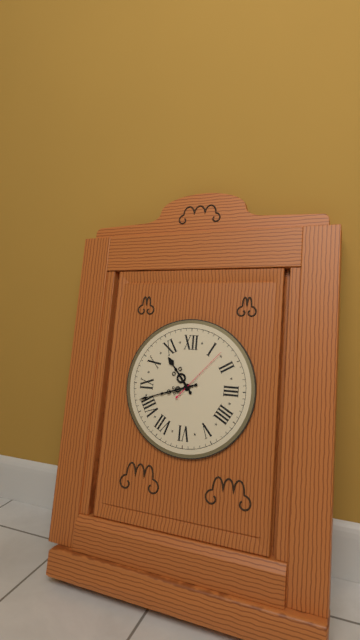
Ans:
h=10 m=42 s=7
